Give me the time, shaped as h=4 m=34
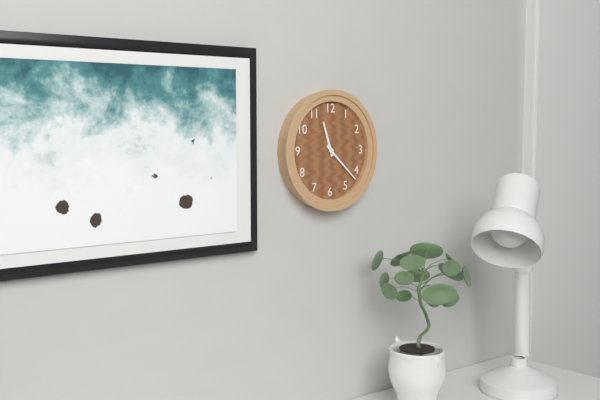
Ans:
h=11 m=22
